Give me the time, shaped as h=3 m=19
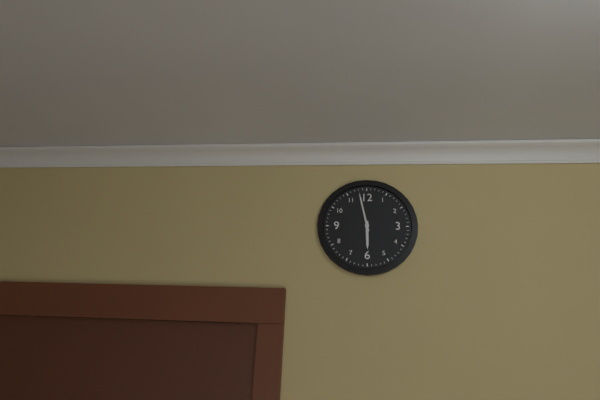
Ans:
h=5 m=58
